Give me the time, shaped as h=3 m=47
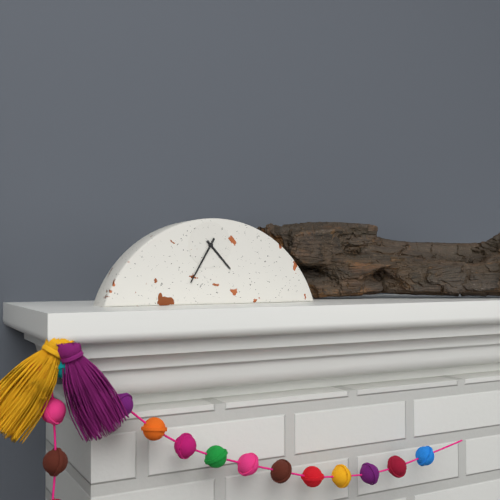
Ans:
h=4 m=35
